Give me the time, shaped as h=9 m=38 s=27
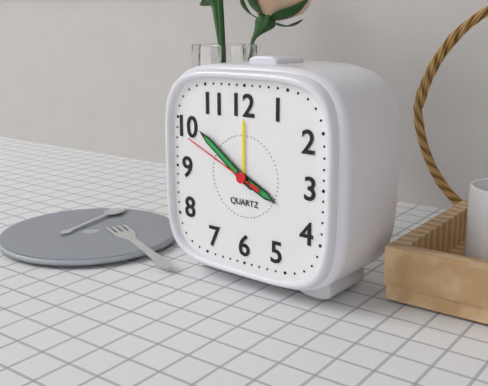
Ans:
h=3 m=51 s=49
